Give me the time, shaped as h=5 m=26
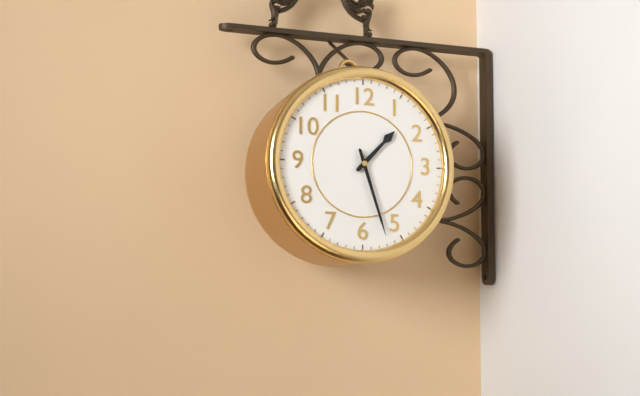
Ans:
h=1 m=27
